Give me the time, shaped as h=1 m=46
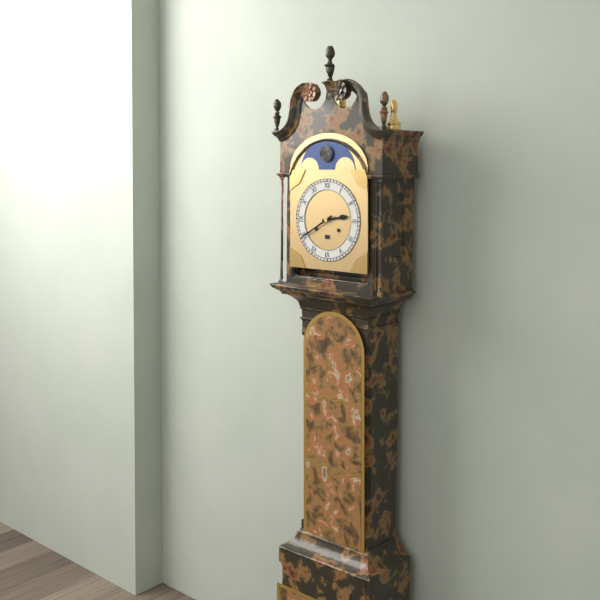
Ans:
h=2 m=40
